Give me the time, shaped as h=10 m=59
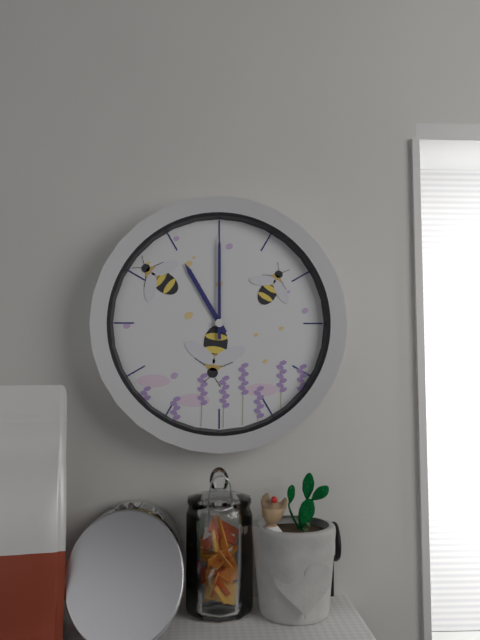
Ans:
h=11 m=0
